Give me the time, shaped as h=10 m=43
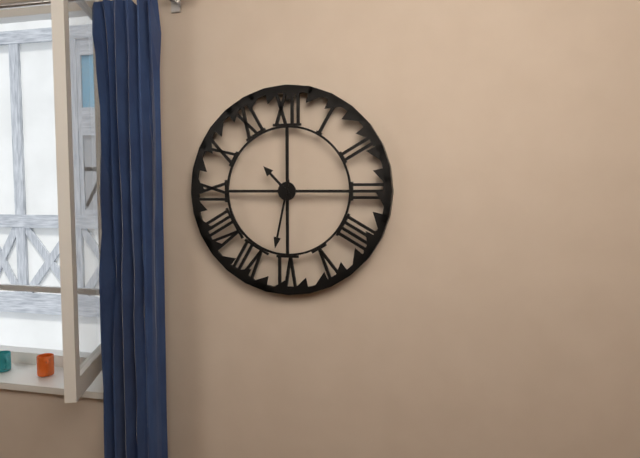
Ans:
h=10 m=32
